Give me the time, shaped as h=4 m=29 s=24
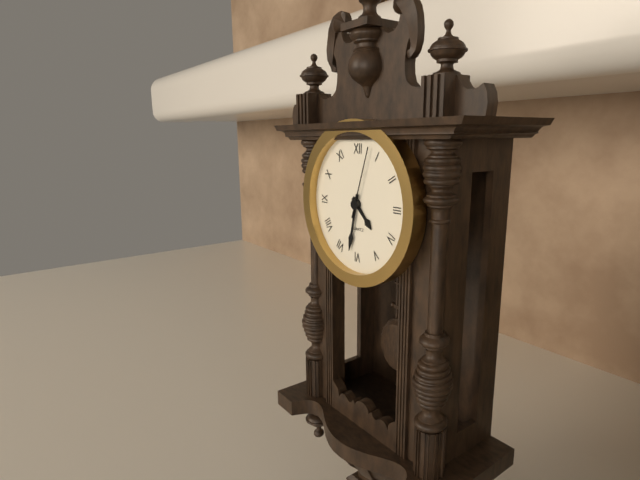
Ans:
h=4 m=32 s=3
